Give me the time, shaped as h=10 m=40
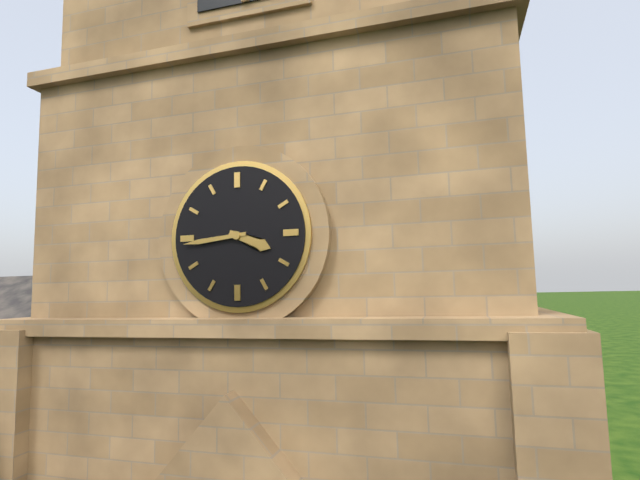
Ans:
h=3 m=44
